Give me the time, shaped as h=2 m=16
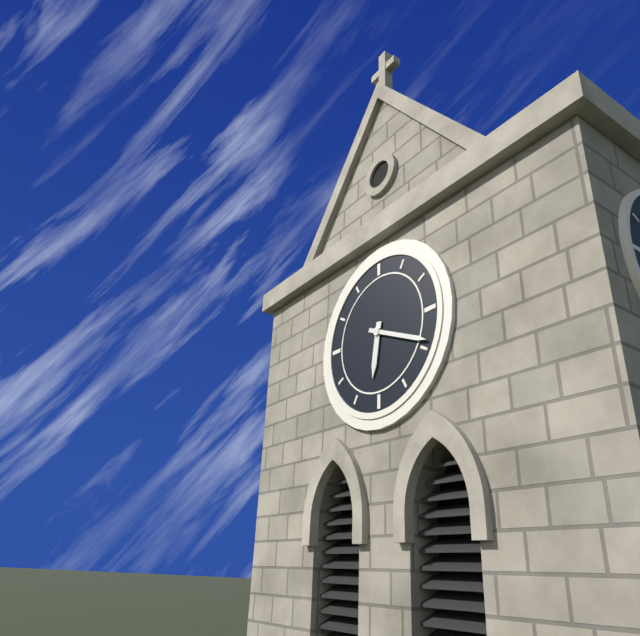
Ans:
h=6 m=19
